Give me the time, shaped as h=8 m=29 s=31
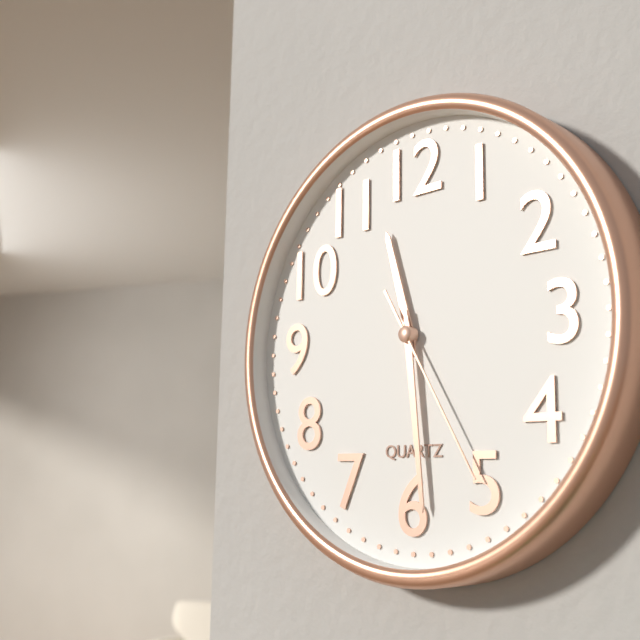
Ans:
h=11 m=29 s=25
